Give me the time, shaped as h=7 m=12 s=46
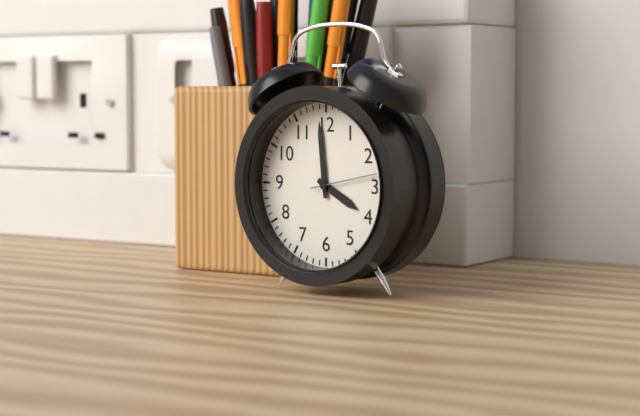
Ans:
h=3 m=59 s=13
